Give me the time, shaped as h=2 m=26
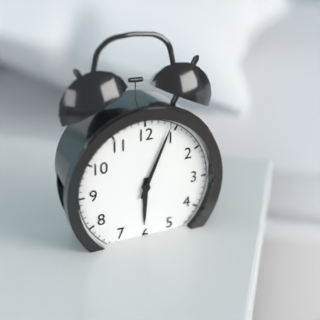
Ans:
h=6 m=4
